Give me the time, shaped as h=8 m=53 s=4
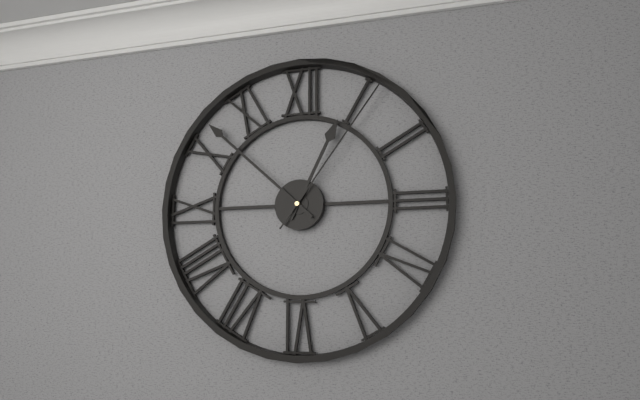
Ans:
h=12 m=52 s=6
